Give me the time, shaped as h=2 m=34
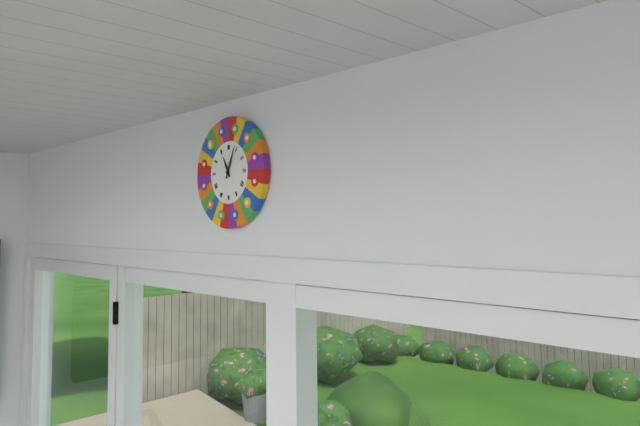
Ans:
h=11 m=4
